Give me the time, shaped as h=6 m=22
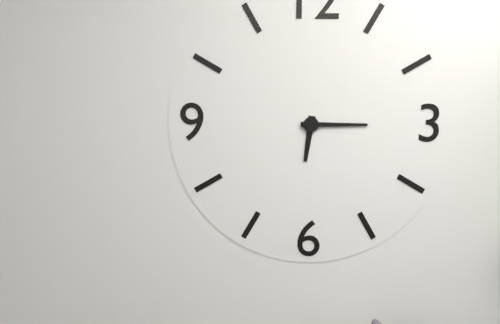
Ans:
h=6 m=15
